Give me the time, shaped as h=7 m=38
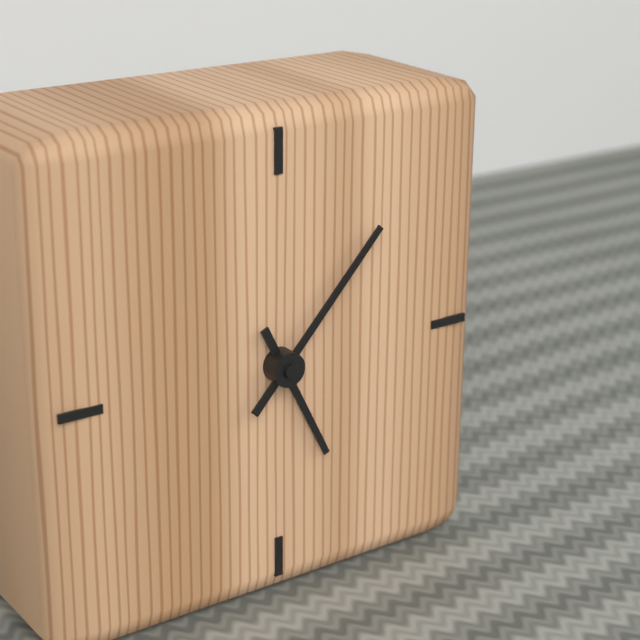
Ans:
h=5 m=7
